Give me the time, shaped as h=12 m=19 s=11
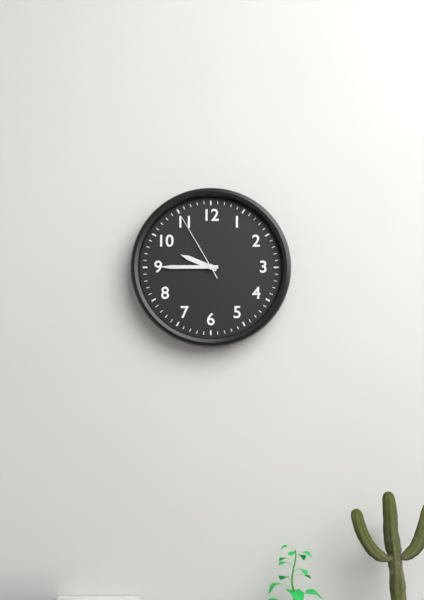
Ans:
h=9 m=45 s=55
